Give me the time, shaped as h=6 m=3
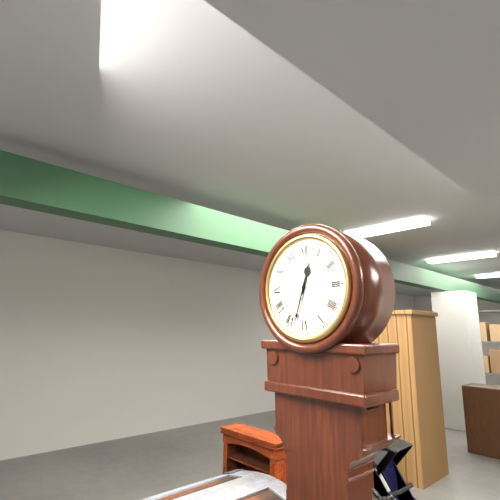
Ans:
h=12 m=33
